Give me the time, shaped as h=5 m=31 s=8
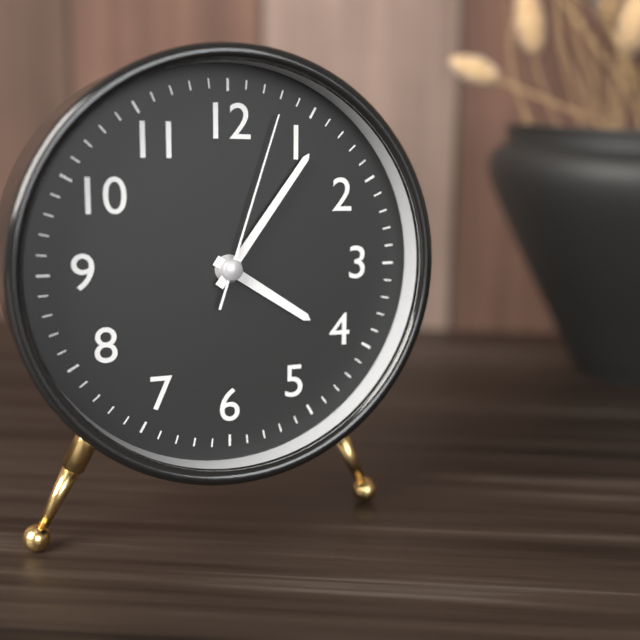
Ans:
h=4 m=6 s=3
